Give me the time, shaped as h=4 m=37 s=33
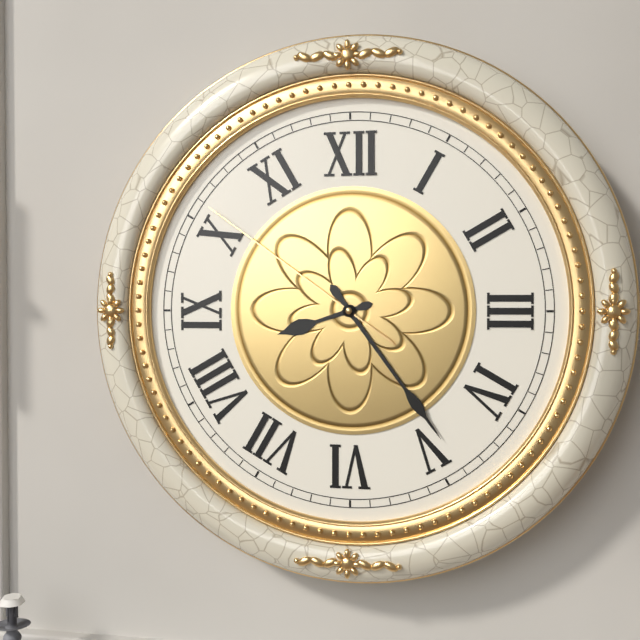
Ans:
h=8 m=24 s=51
